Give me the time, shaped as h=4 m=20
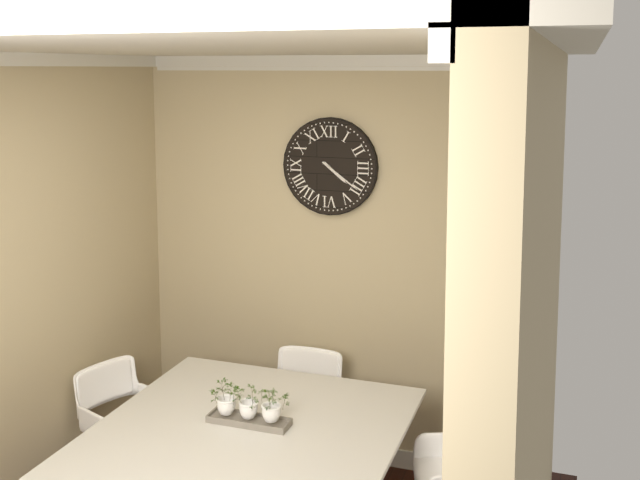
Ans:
h=4 m=21
